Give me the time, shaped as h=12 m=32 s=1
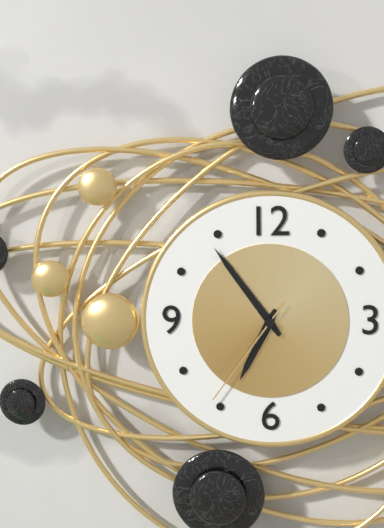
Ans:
h=6 m=54 s=36
